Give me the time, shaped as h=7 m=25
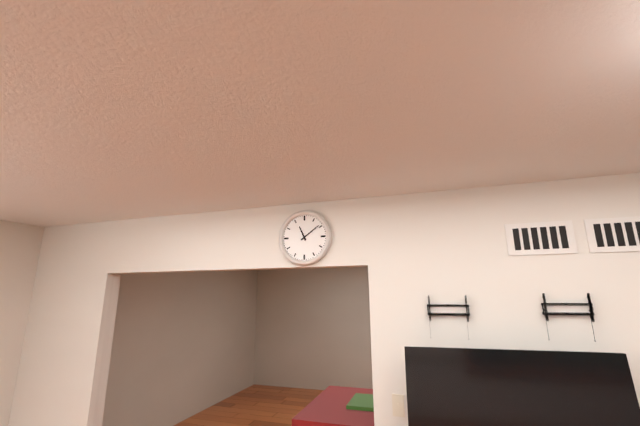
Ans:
h=11 m=9
